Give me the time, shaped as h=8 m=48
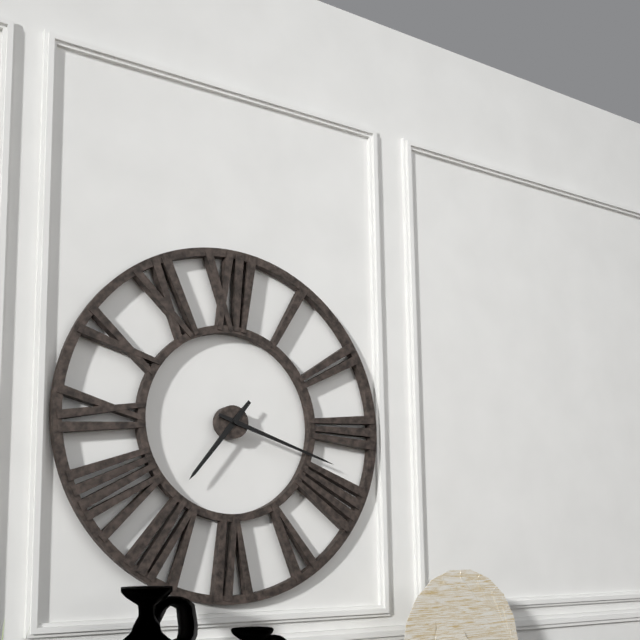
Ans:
h=7 m=18
